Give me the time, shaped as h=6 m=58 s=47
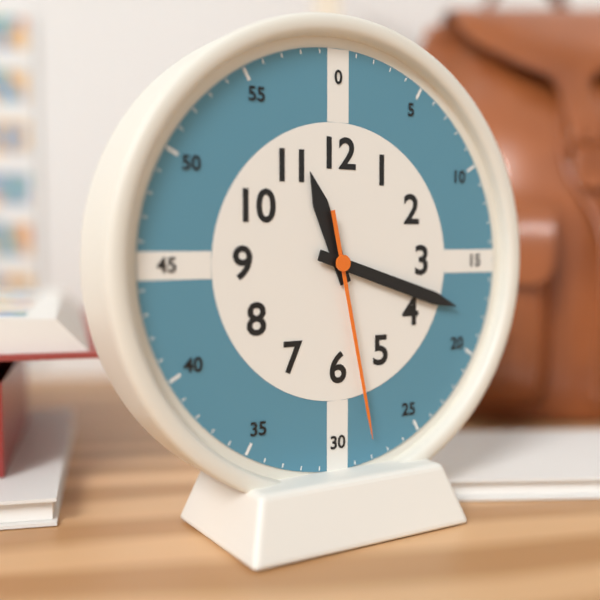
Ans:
h=11 m=18 s=28
